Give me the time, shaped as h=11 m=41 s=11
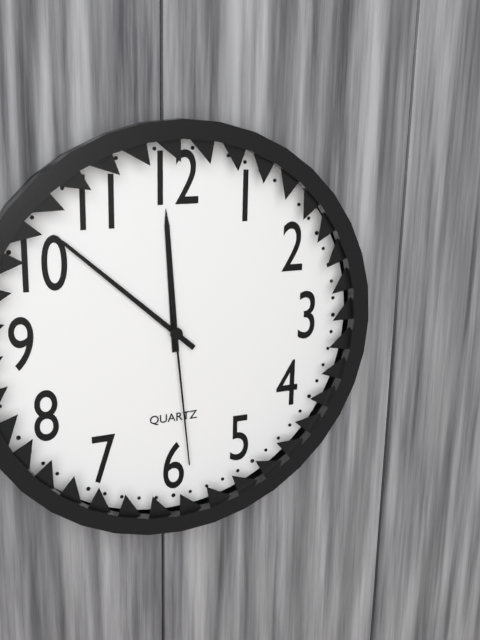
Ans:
h=11 m=52 s=29
